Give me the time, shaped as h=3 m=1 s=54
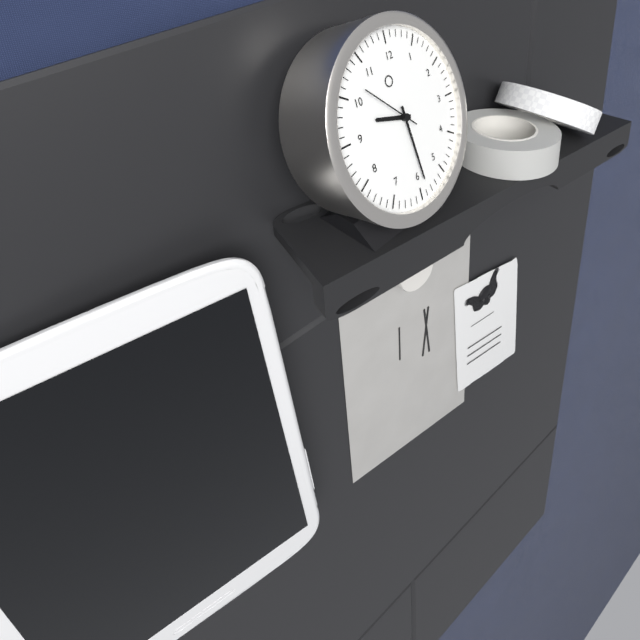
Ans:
h=9 m=29 s=52
